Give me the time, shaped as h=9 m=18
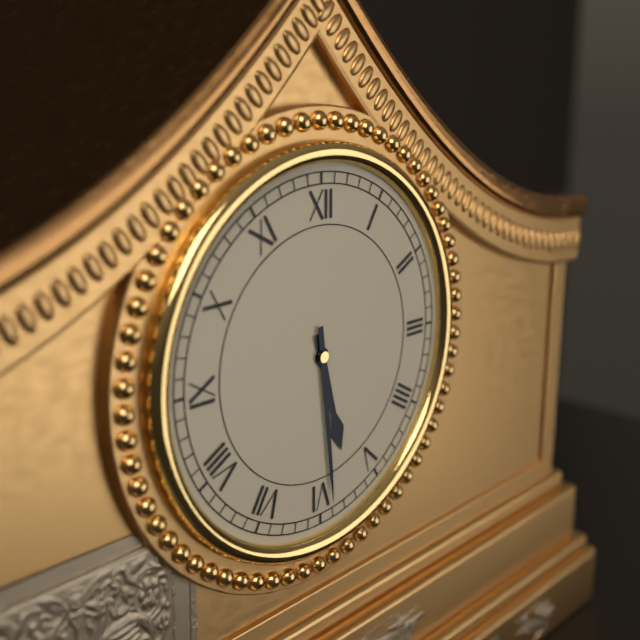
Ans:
h=5 m=29
